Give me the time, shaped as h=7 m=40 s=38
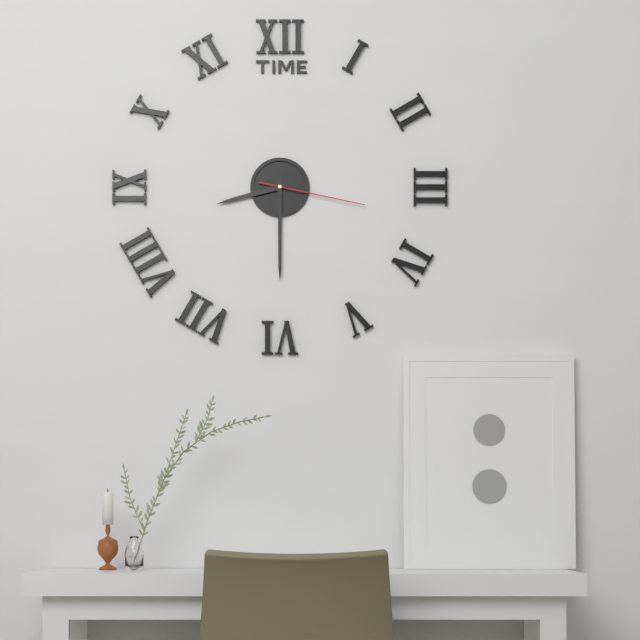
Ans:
h=8 m=30 s=17
